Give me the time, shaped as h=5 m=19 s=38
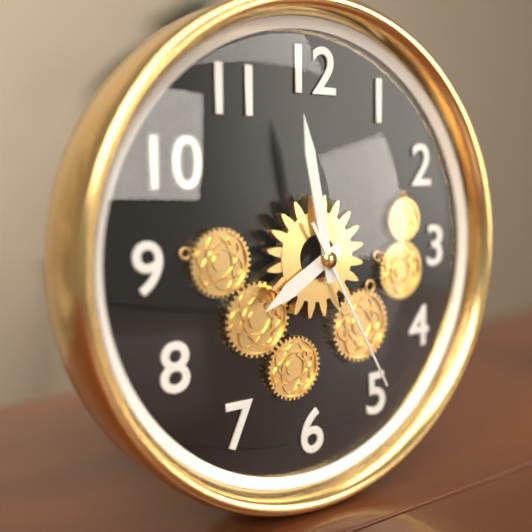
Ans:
h=7 m=58 s=25
